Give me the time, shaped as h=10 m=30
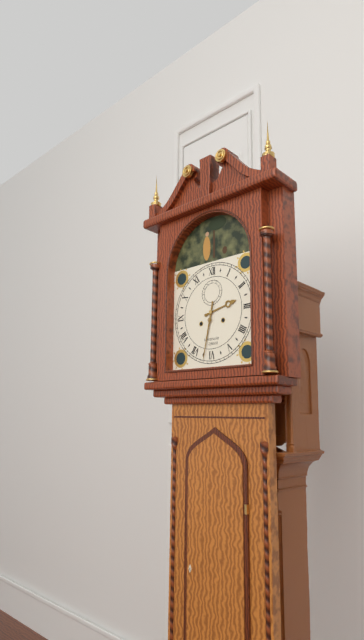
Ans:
h=2 m=32
